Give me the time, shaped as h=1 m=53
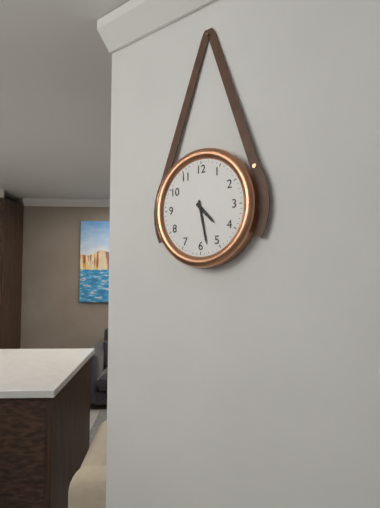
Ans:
h=4 m=28
